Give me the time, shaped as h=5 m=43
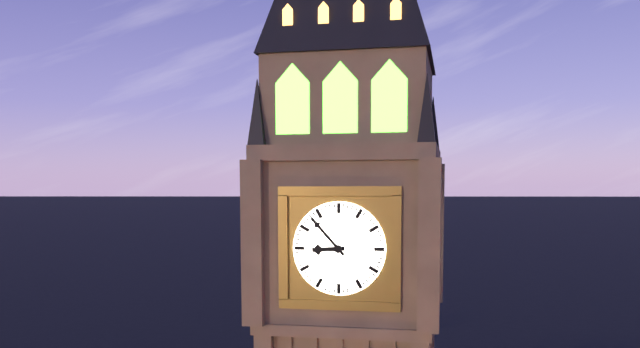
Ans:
h=8 m=53
